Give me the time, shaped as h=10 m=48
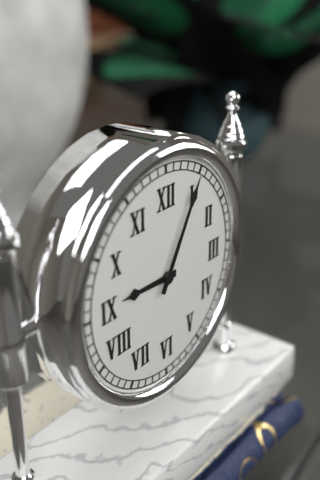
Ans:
h=9 m=5
